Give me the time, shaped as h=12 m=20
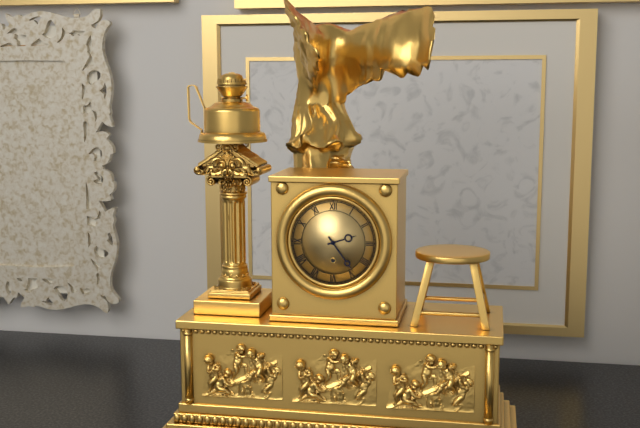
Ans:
h=2 m=24
